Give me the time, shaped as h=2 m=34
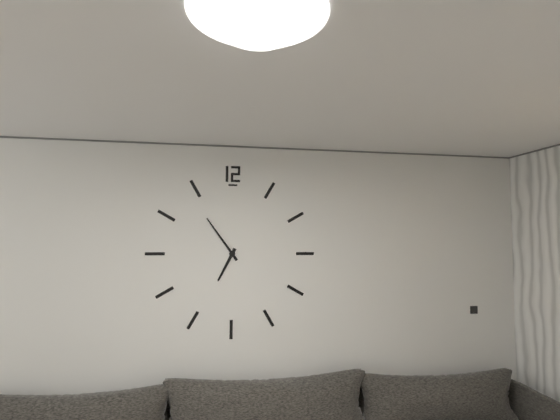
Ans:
h=6 m=54
